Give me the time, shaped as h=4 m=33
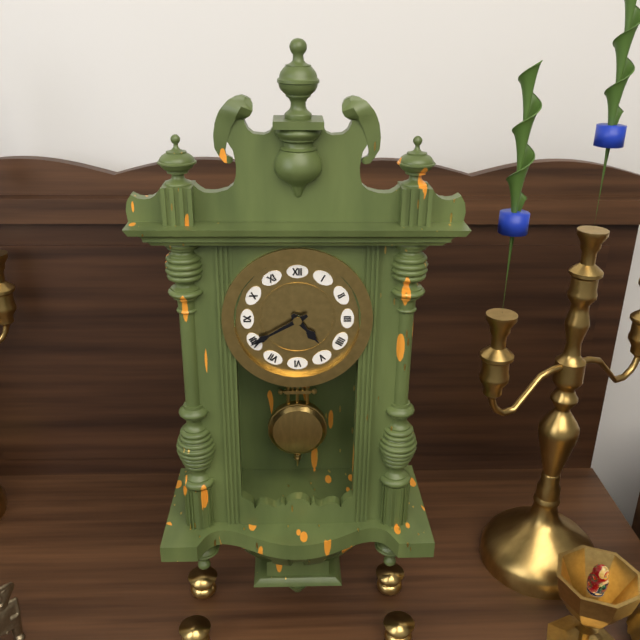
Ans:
h=4 m=40
